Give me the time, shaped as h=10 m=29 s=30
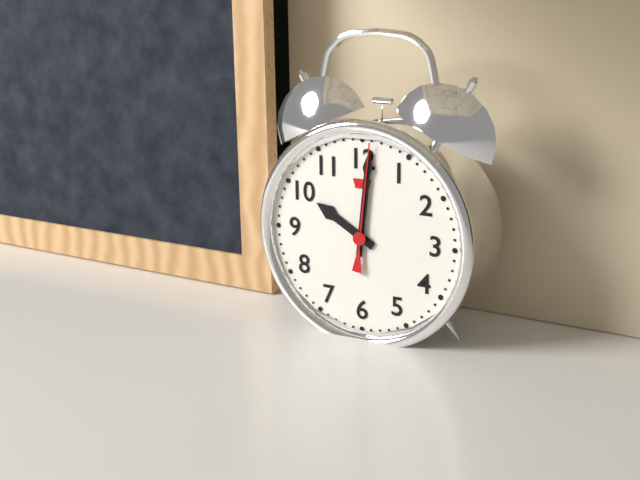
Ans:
h=10 m=1 s=1
